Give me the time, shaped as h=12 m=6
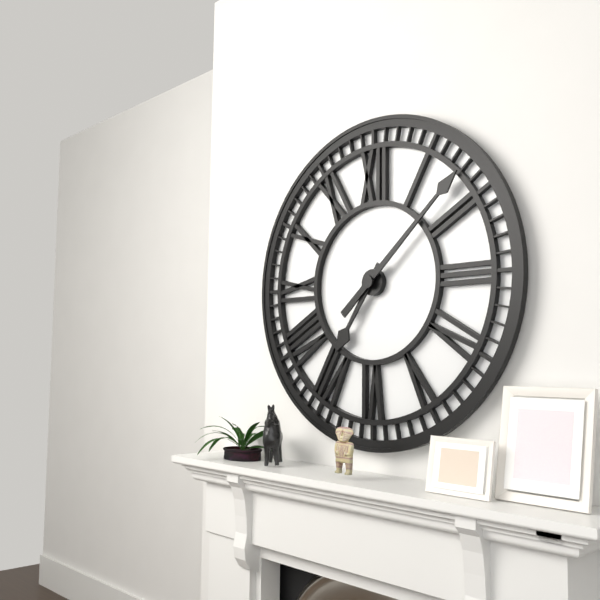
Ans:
h=7 m=8
